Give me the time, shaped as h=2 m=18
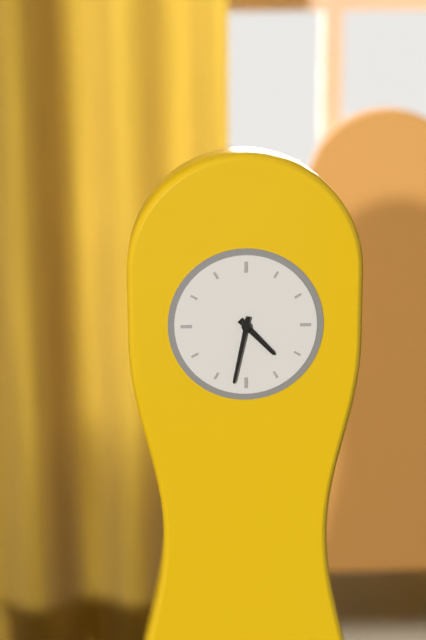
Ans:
h=4 m=32
